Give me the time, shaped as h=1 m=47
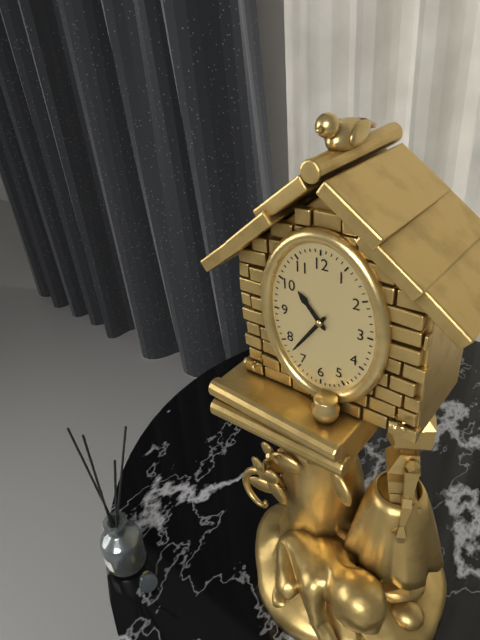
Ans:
h=10 m=36
